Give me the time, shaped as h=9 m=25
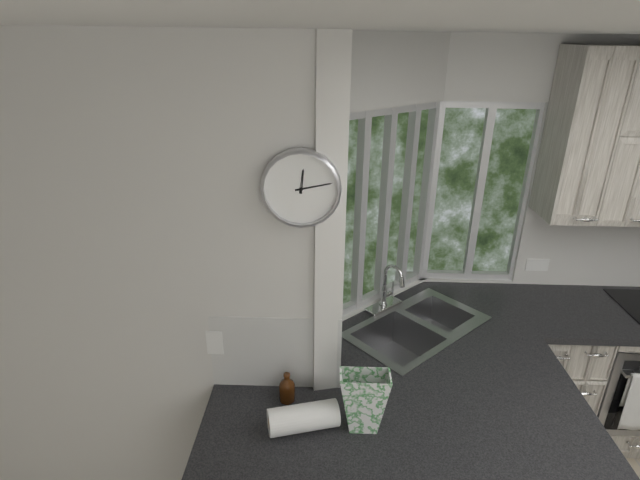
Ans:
h=12 m=13
